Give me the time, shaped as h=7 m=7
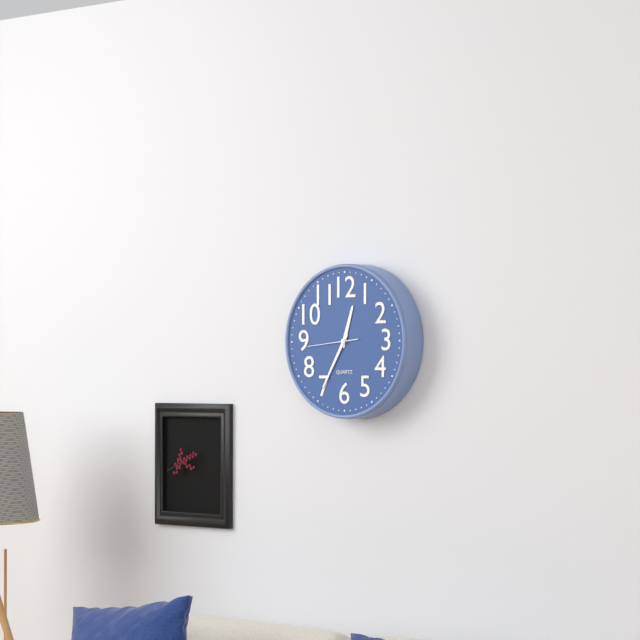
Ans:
h=12 m=35
